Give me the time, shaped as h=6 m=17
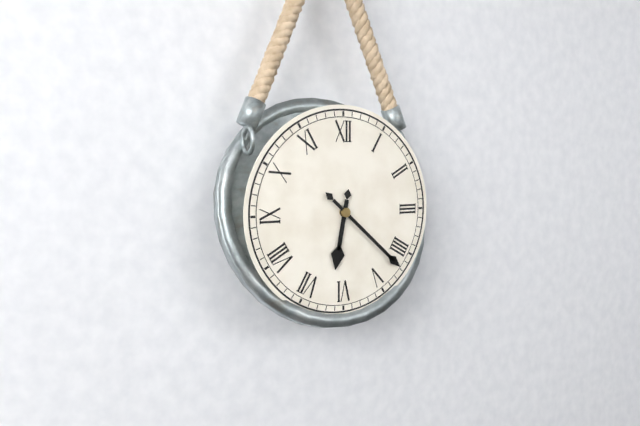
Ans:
h=6 m=22
